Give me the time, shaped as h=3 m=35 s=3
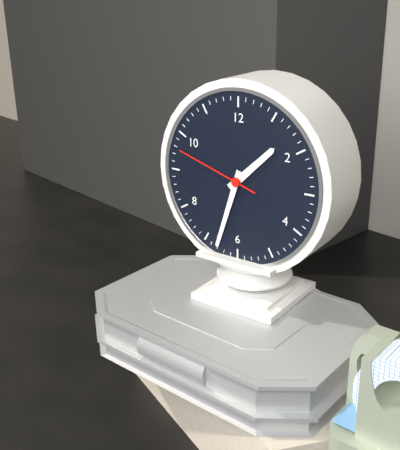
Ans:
h=1 m=33 s=48
